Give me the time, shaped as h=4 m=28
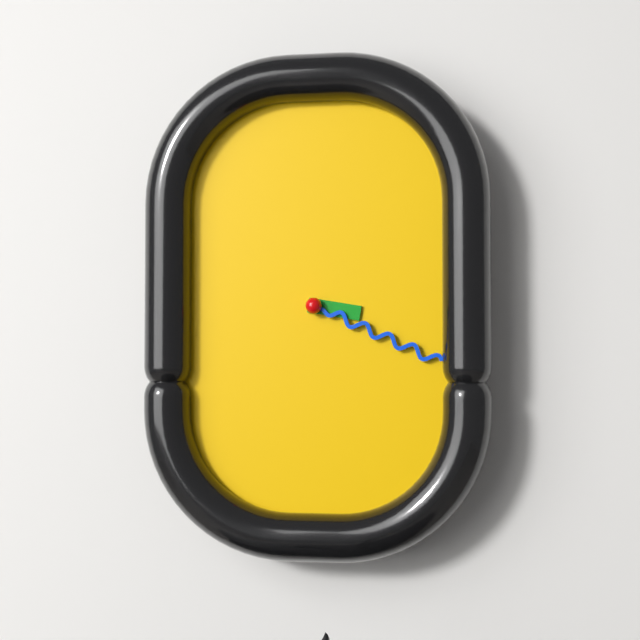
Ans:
h=3 m=19
